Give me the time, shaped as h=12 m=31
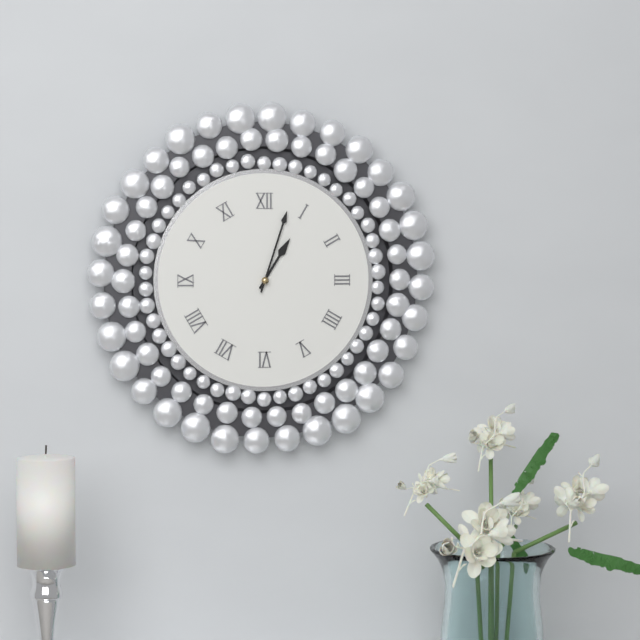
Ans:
h=1 m=3
